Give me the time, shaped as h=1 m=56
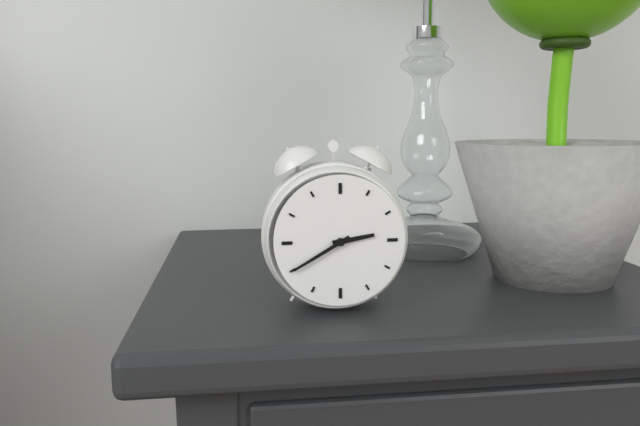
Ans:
h=2 m=40
